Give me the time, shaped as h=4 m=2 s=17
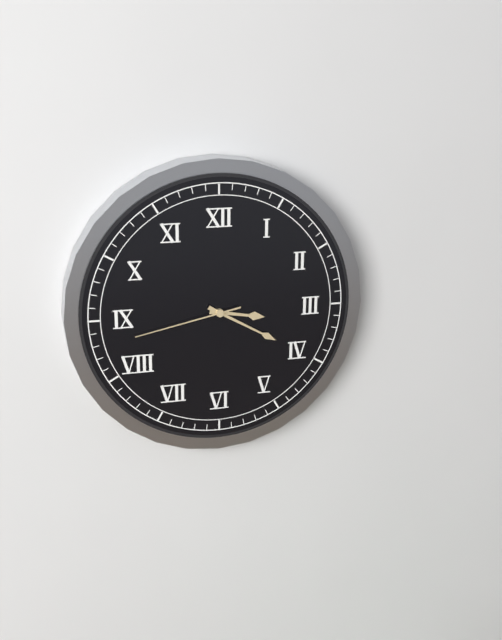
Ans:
h=3 m=20 s=43
